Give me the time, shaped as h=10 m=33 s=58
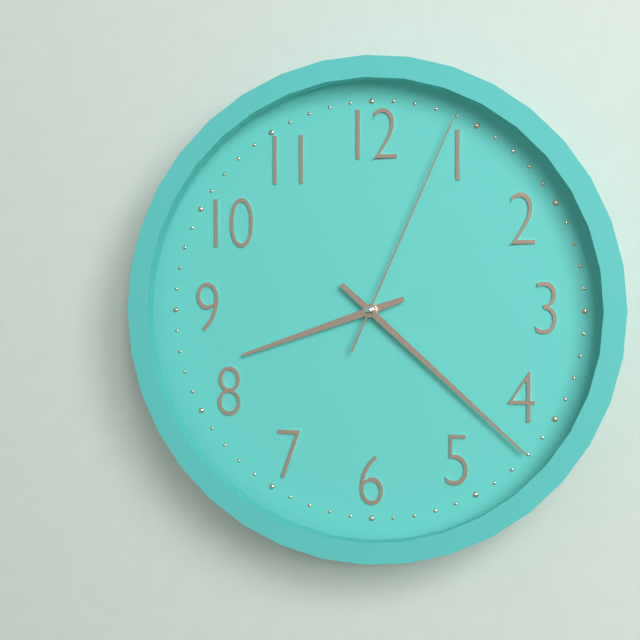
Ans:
h=8 m=22 s=4
